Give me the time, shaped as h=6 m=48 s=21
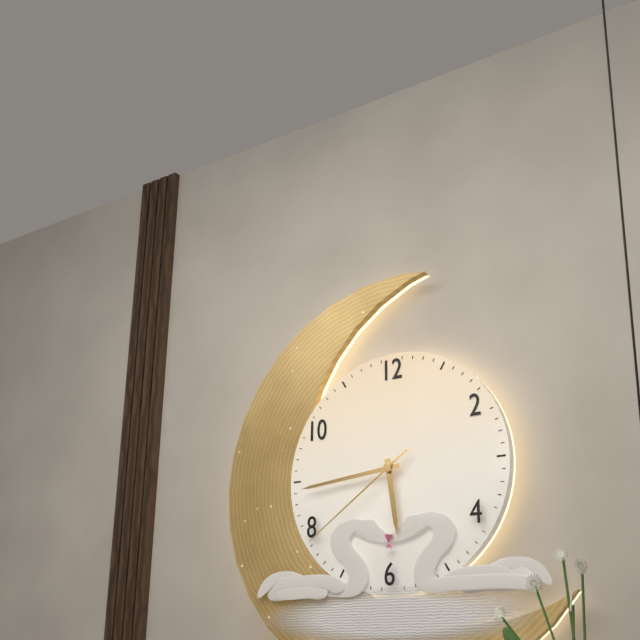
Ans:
h=5 m=44 s=39
